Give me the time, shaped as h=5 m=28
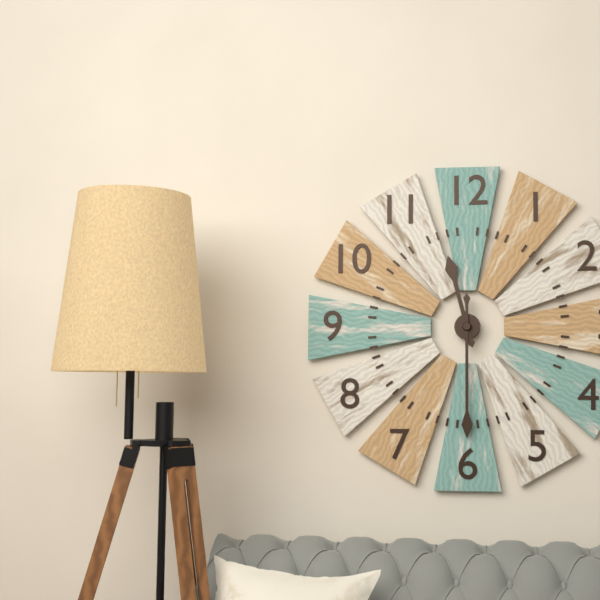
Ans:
h=11 m=30
